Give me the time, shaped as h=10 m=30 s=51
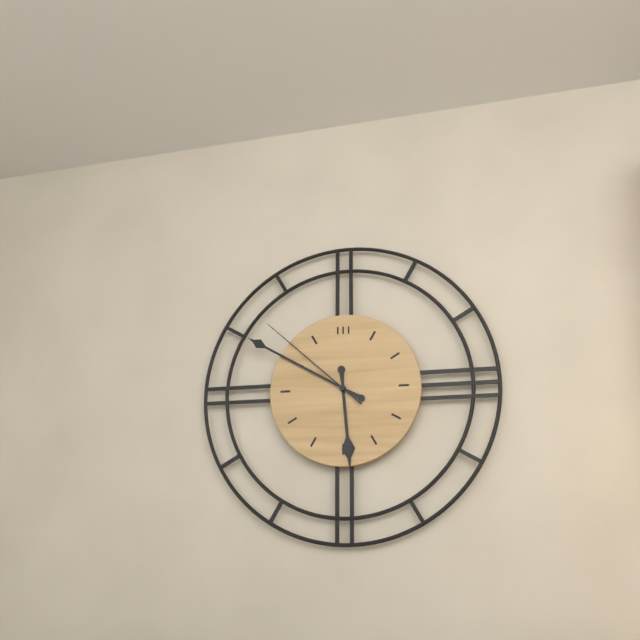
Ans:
h=5 m=50 s=52
